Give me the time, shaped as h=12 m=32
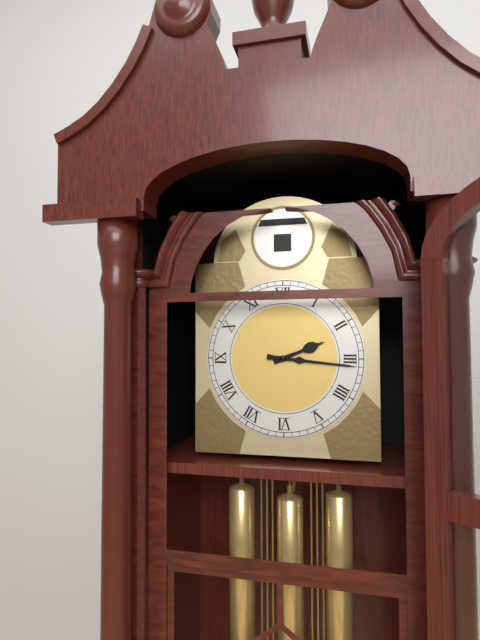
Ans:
h=2 m=16
